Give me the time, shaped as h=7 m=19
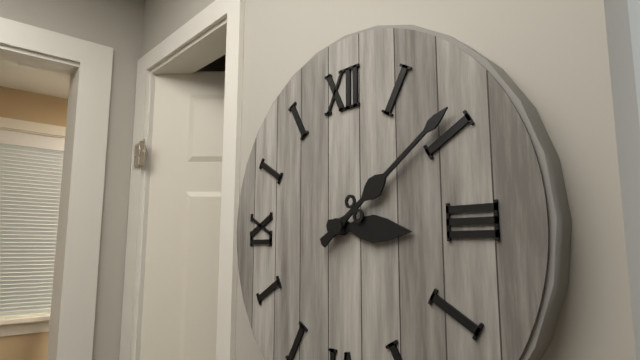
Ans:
h=3 m=9
